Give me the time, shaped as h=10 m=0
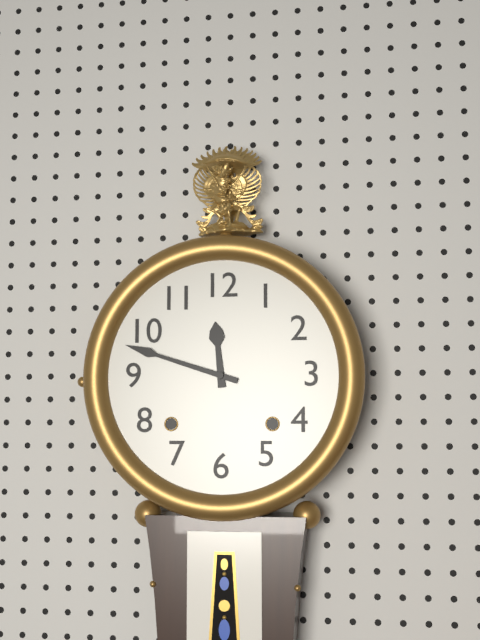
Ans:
h=11 m=48
